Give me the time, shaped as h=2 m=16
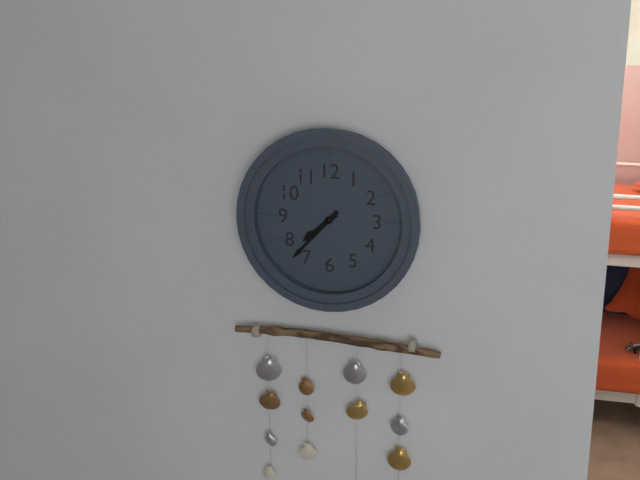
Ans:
h=7 m=37
